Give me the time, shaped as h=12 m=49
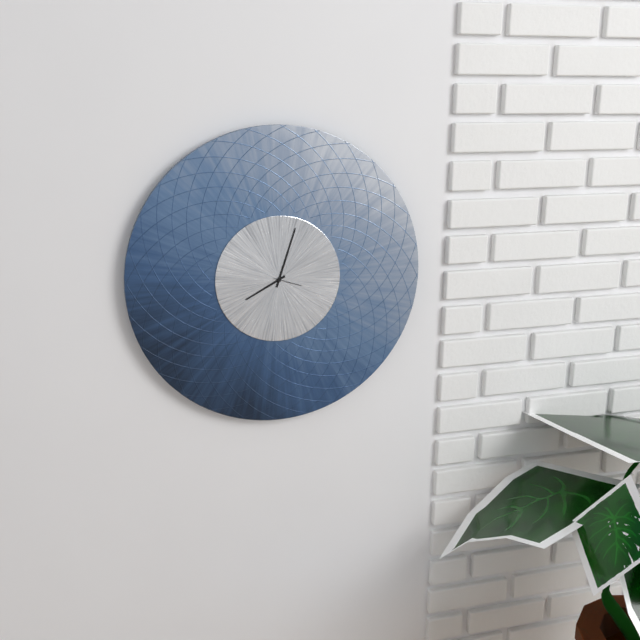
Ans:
h=8 m=3
